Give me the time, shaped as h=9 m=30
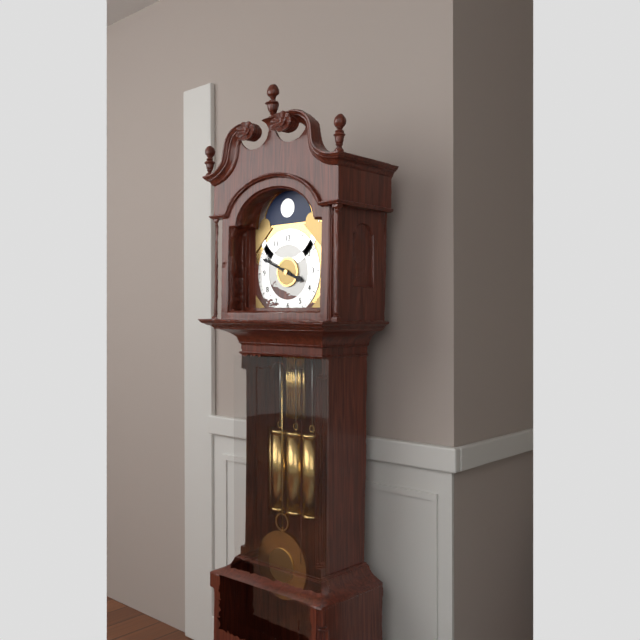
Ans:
h=3 m=49
